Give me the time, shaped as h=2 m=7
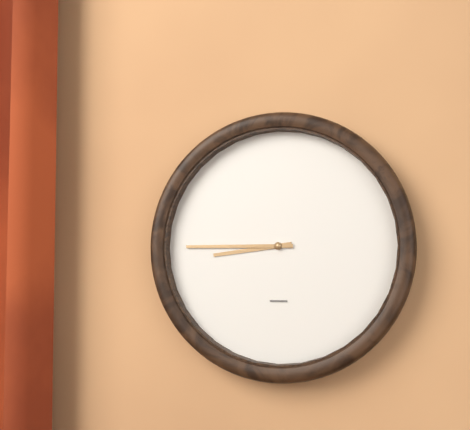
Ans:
h=8 m=45
